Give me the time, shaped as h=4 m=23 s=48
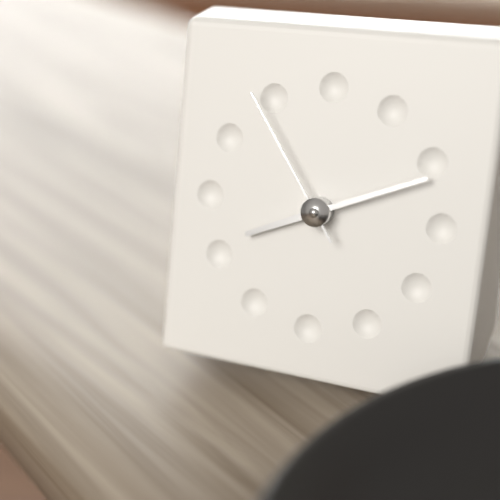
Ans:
h=8 m=11 s=54
